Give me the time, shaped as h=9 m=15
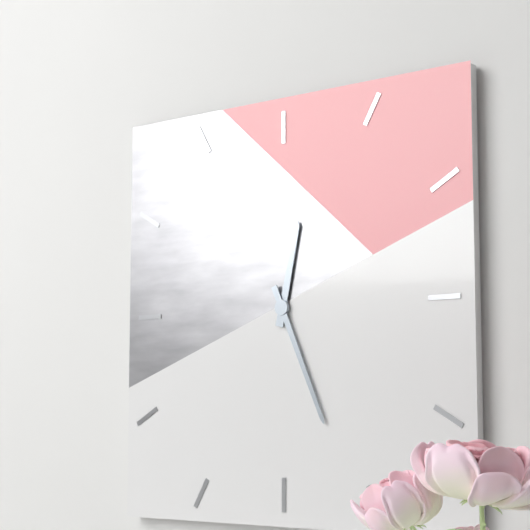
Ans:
h=12 m=26
